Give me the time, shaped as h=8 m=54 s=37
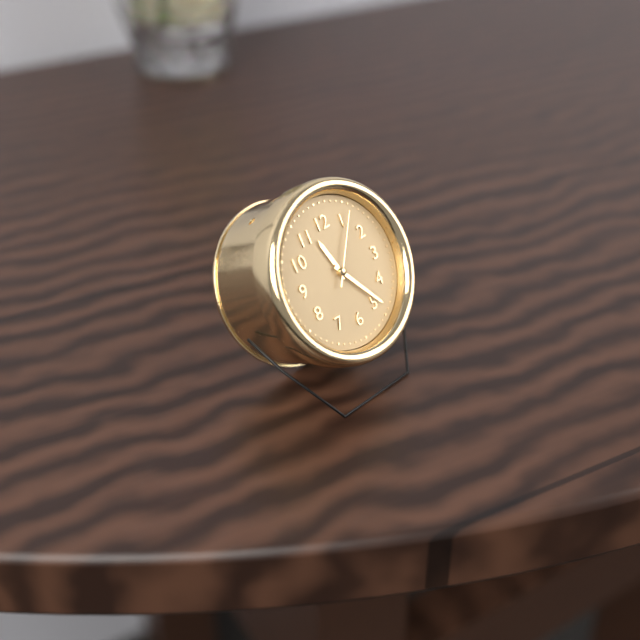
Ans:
h=11 m=24 s=6
